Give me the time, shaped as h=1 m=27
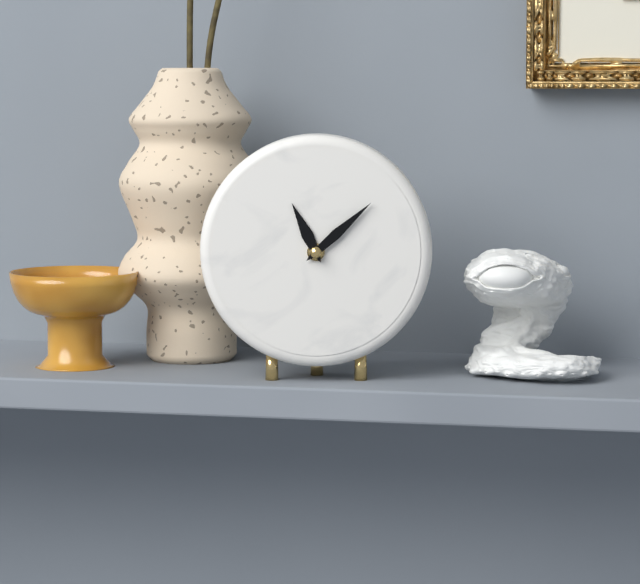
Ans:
h=11 m=8
